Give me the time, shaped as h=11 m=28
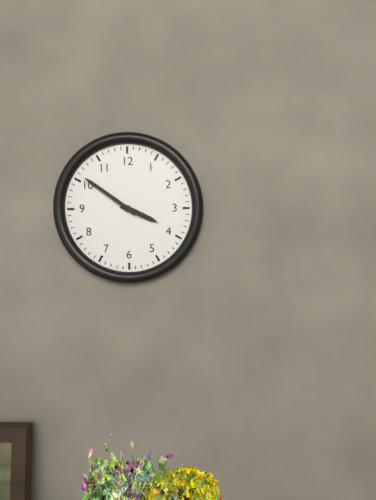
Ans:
h=3 m=51
